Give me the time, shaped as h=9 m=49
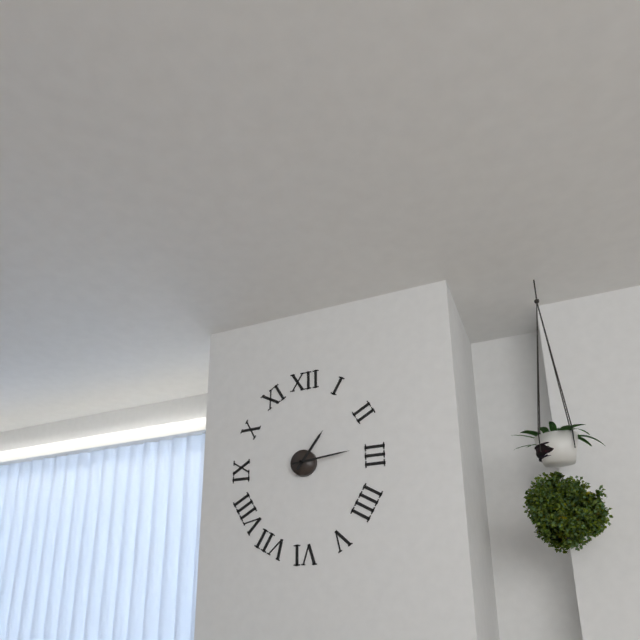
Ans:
h=1 m=14
